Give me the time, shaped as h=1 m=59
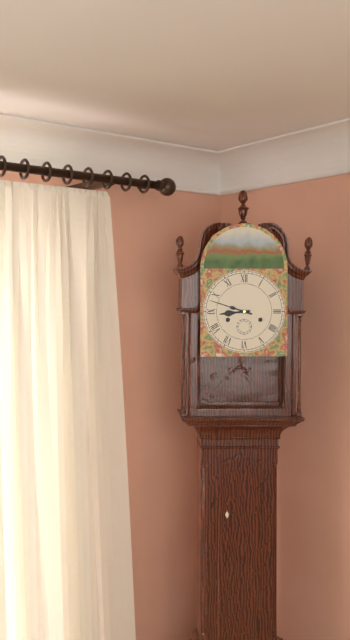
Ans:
h=8 m=48
